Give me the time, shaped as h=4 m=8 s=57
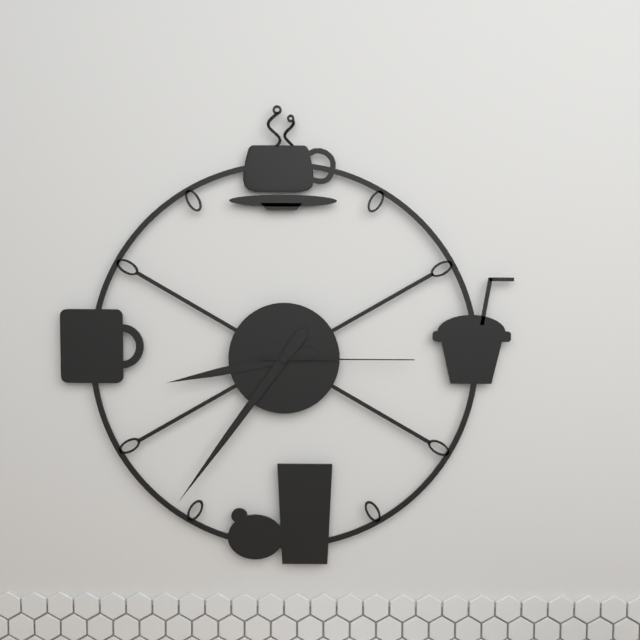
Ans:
h=8 m=36 s=15
